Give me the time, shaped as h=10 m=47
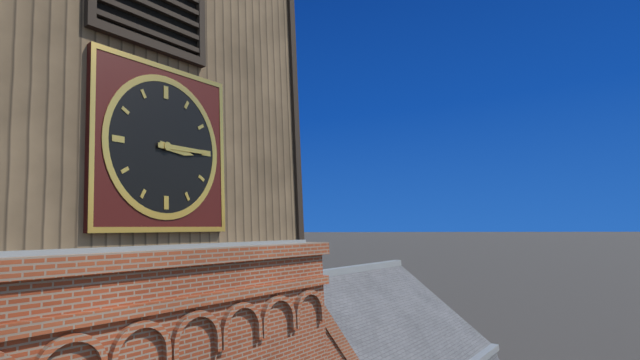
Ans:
h=3 m=15
